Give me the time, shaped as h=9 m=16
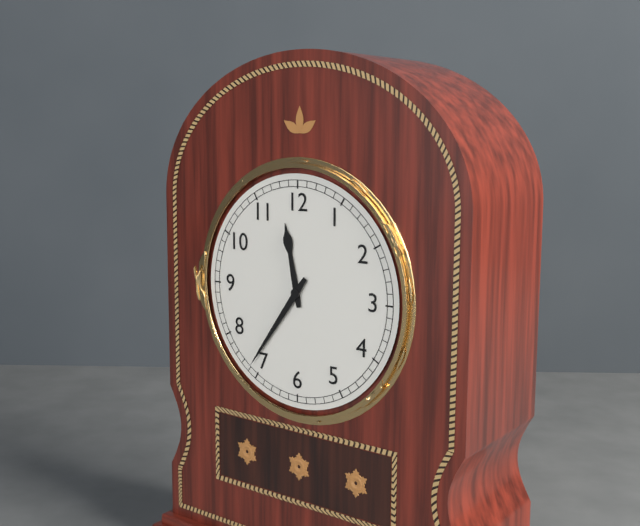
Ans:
h=11 m=36
